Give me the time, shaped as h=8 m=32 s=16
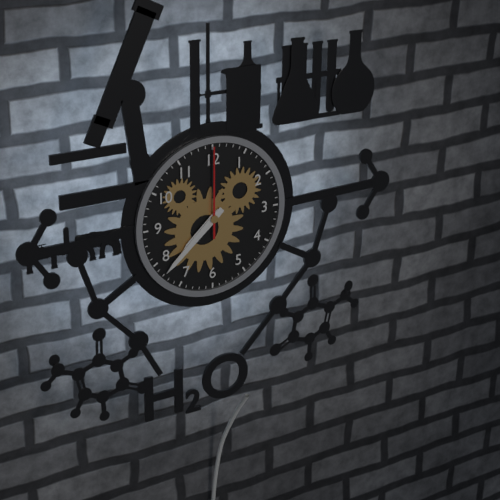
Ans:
h=7 m=38 s=0
